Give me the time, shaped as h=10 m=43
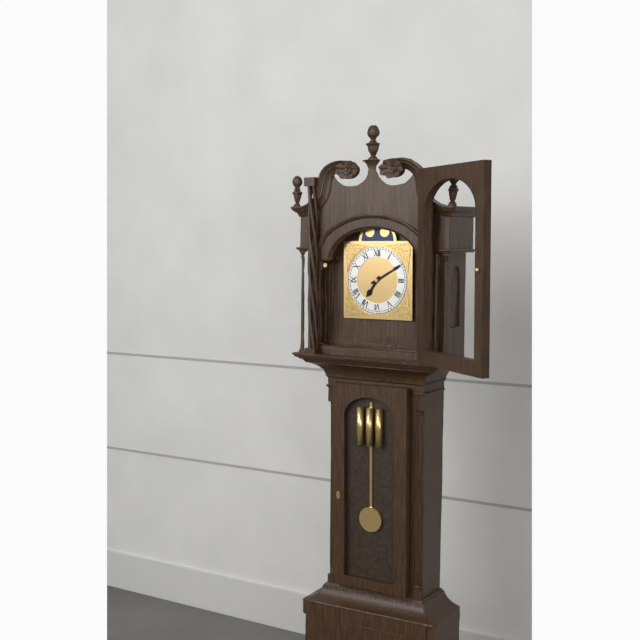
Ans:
h=7 m=10
